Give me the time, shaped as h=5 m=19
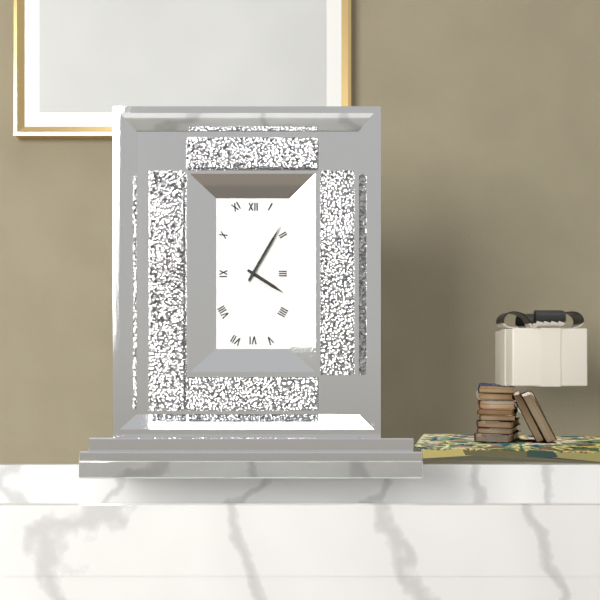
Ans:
h=4 m=5
